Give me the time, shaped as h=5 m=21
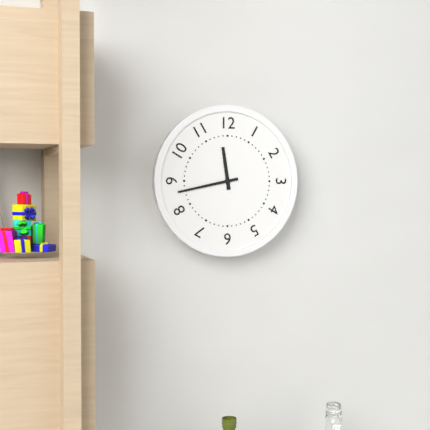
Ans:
h=11 m=43
